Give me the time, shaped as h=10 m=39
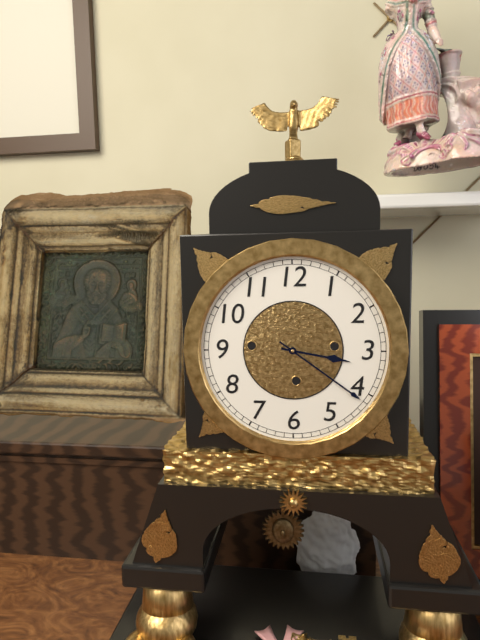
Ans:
h=3 m=21
